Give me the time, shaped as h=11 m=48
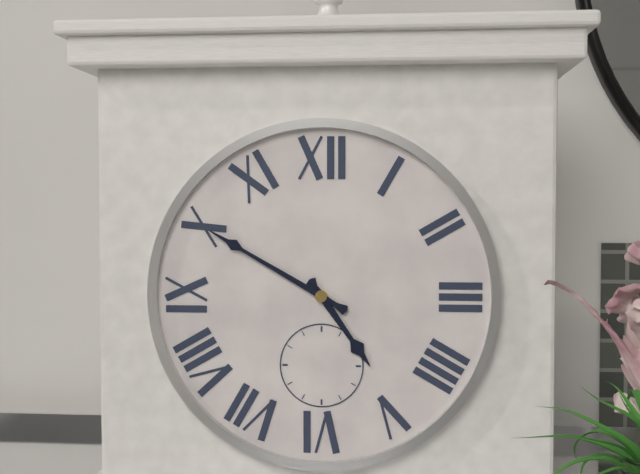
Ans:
h=4 m=50
